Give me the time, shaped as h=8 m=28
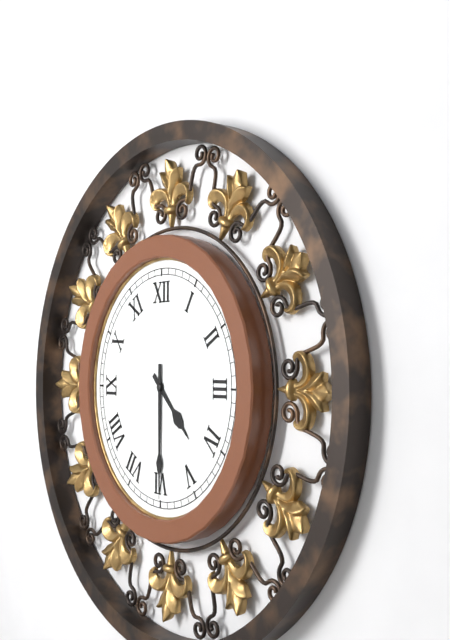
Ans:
h=4 m=30
